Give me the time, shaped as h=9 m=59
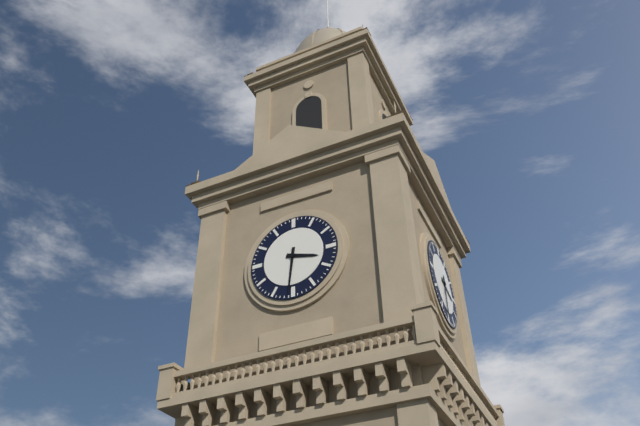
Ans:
h=3 m=31
